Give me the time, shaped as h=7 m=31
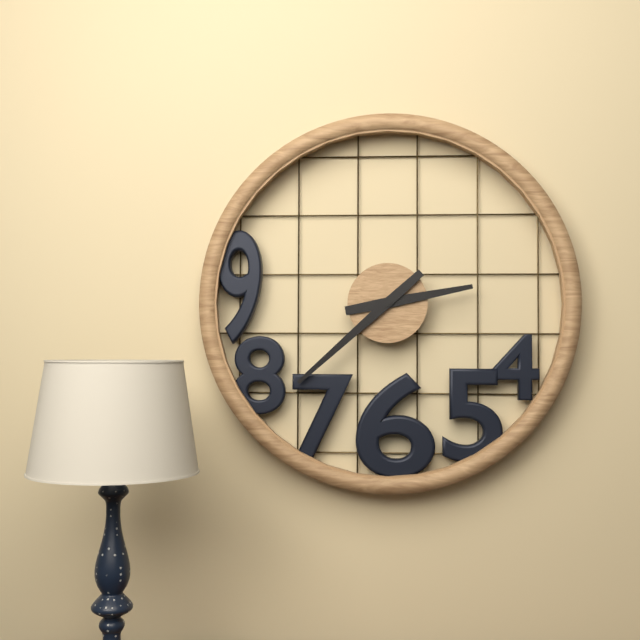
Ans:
h=2 m=38
